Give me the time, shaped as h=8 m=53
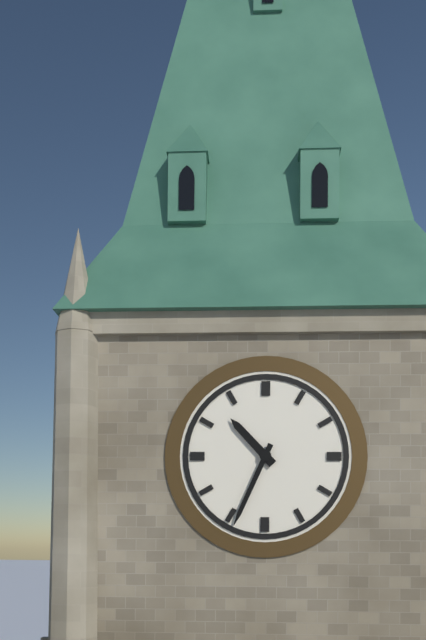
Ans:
h=10 m=34
